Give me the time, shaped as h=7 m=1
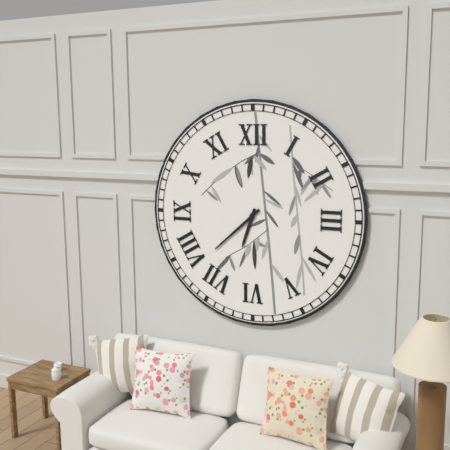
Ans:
h=6 m=38
